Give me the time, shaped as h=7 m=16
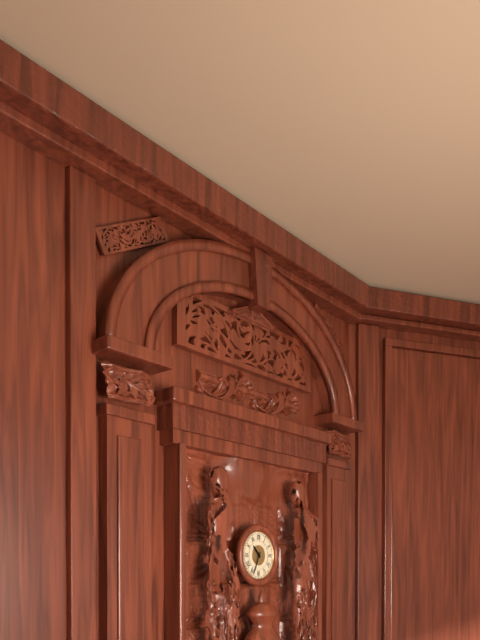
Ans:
h=10 m=34
